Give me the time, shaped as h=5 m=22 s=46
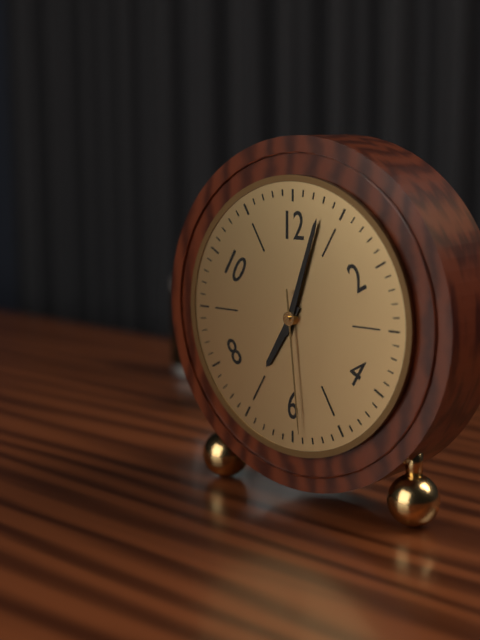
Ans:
h=7 m=3 s=29
